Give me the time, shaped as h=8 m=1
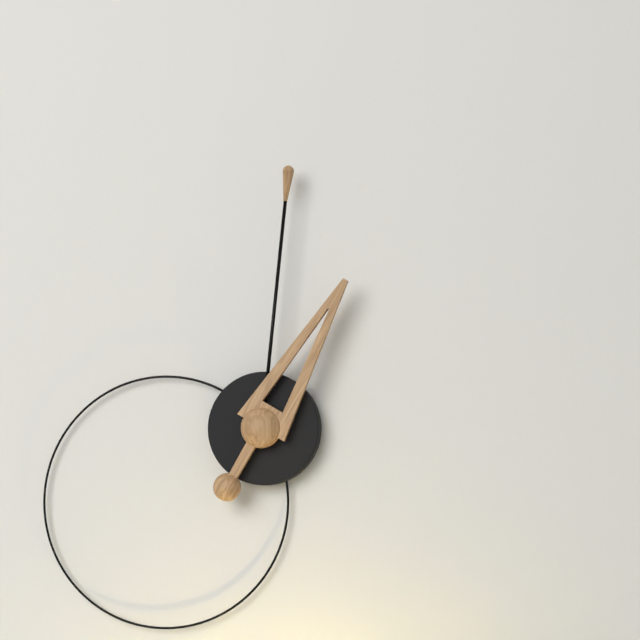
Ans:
h=1 m=1
